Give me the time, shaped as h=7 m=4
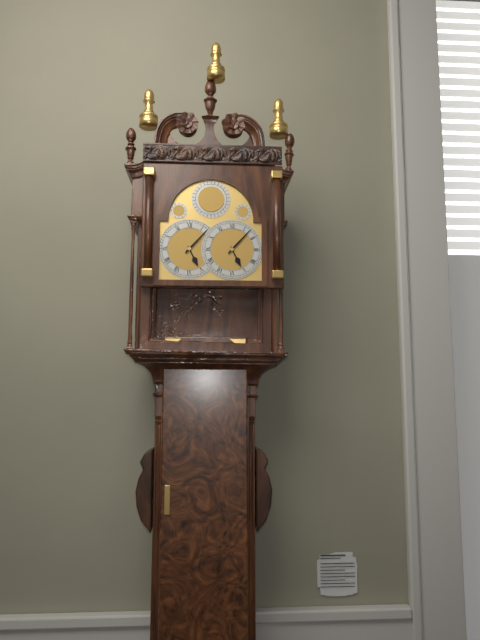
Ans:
h=5 m=7
